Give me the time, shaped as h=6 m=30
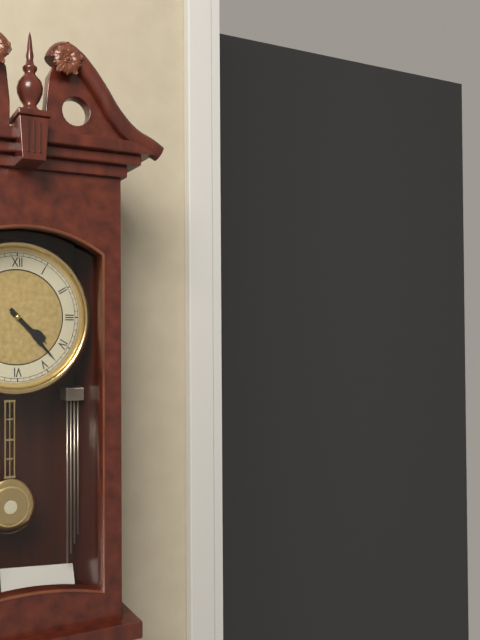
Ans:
h=4 m=23
